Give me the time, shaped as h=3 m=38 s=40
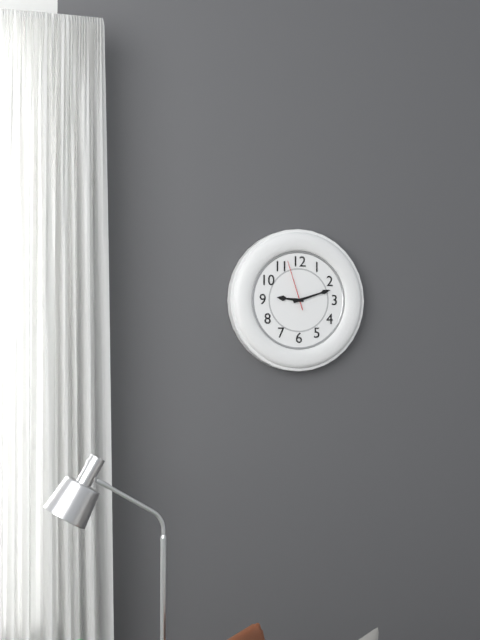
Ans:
h=9 m=12 s=57
